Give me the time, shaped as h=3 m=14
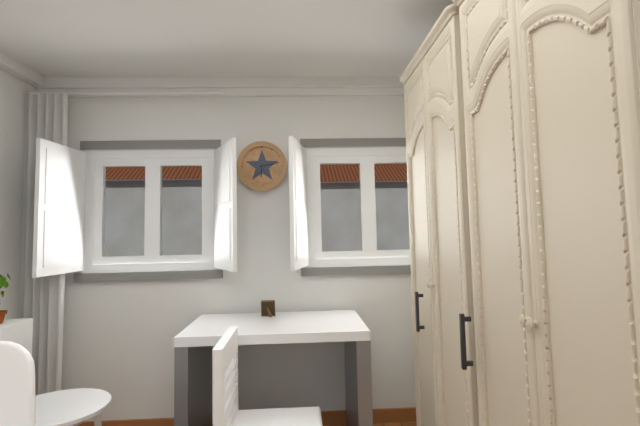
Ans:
h=6 m=13
